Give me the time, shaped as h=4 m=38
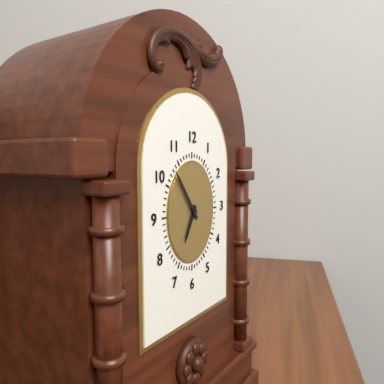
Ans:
h=6 m=54
